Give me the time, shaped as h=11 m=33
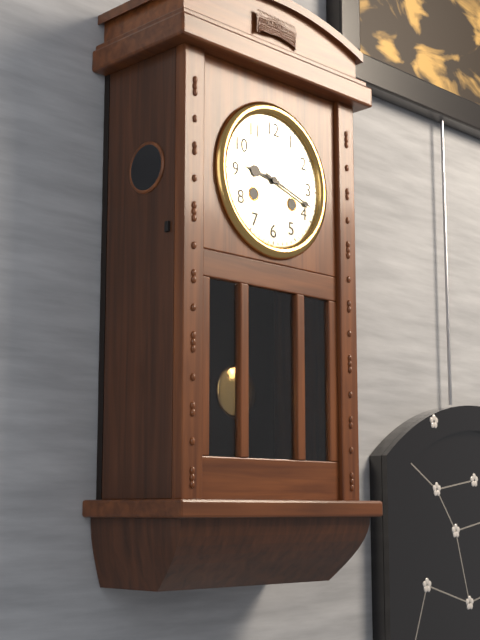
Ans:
h=9 m=18
